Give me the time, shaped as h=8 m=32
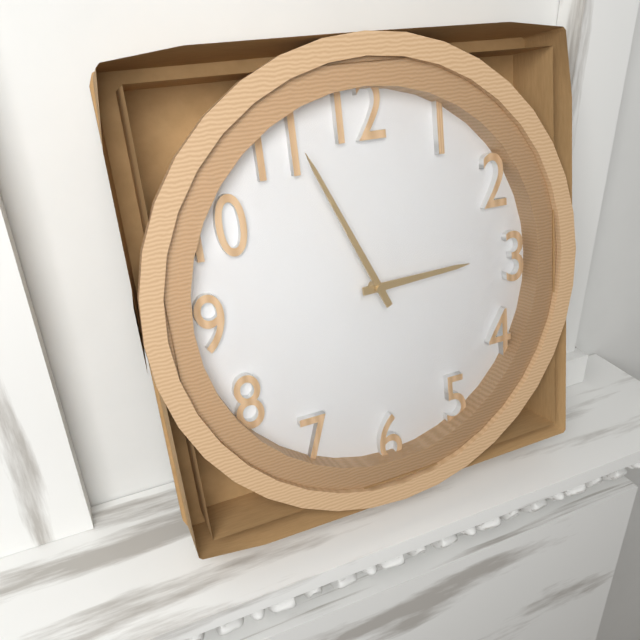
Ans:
h=2 m=56
